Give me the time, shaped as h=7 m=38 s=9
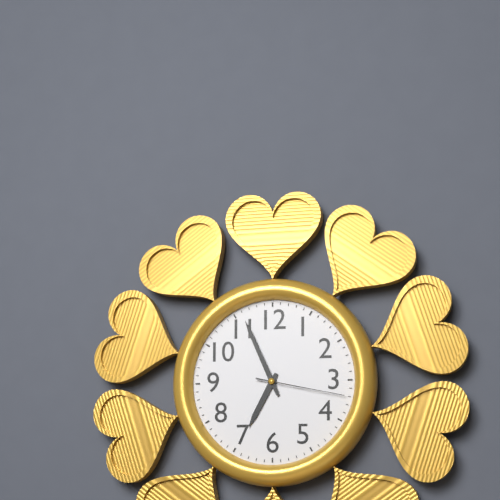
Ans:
h=6 m=56 s=17
